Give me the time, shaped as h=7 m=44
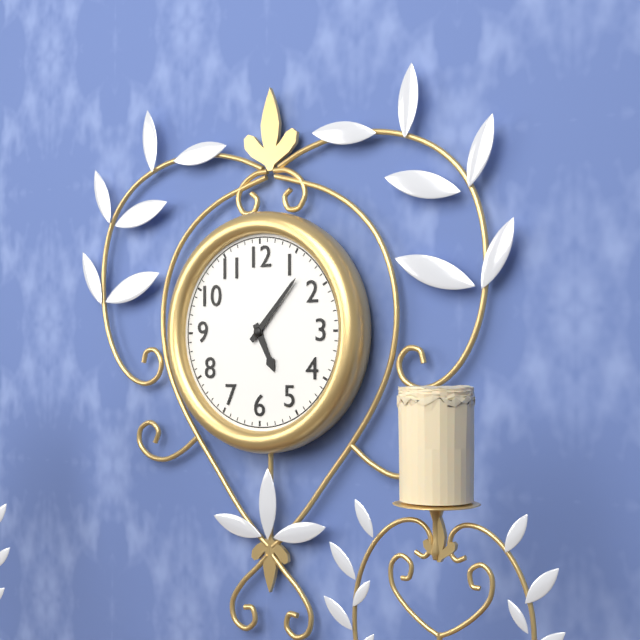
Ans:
h=5 m=7
